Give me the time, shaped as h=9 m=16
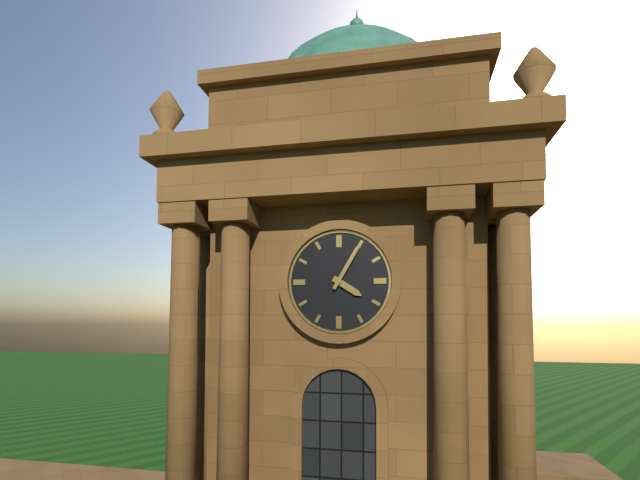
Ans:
h=4 m=5
